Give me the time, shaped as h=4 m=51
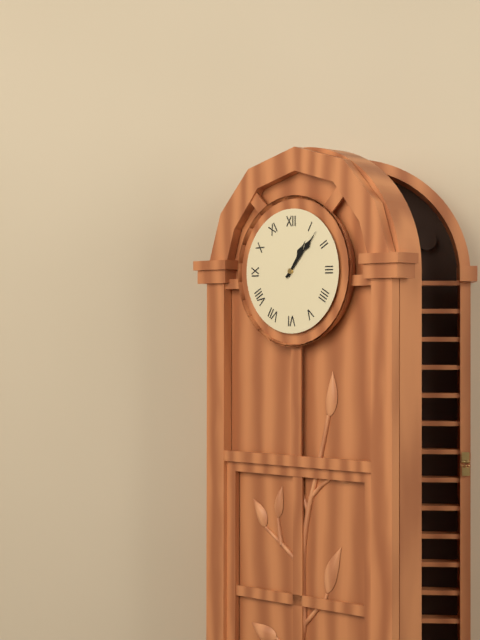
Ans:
h=1 m=7
